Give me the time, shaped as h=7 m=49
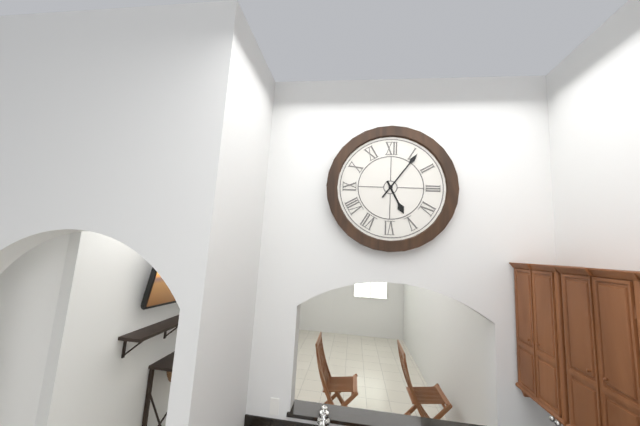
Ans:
h=5 m=6
